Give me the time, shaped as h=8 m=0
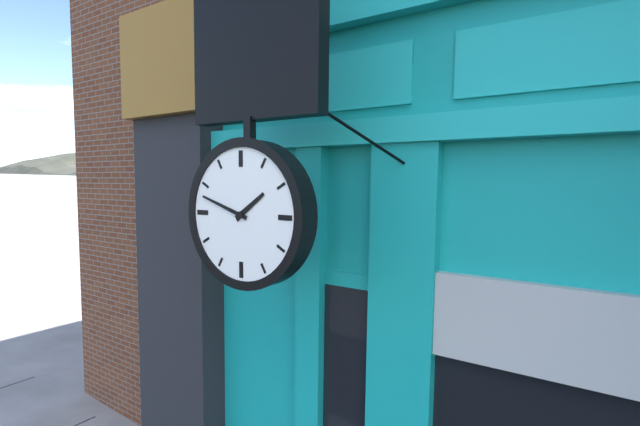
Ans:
h=1 m=48
